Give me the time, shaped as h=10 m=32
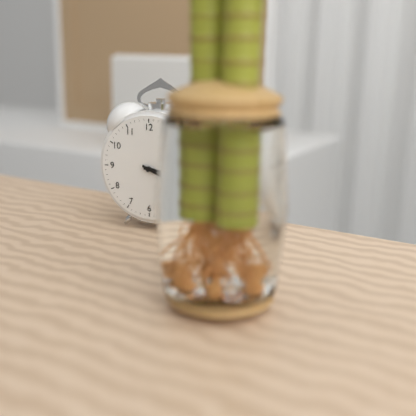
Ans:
h=3 m=19
